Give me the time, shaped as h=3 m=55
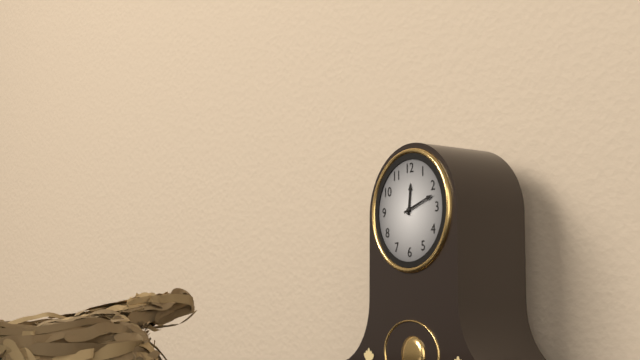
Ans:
h=12 m=12
